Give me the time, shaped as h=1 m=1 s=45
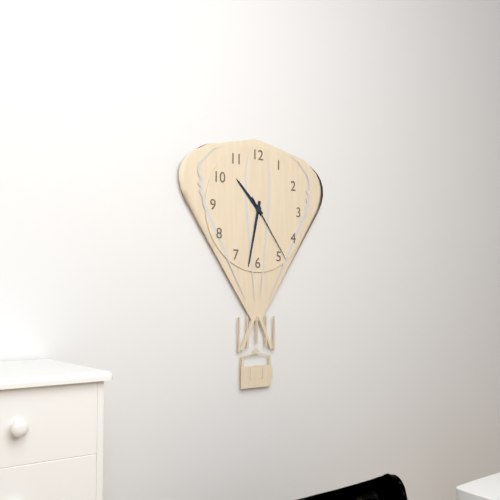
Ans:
h=10 m=32 s=24
